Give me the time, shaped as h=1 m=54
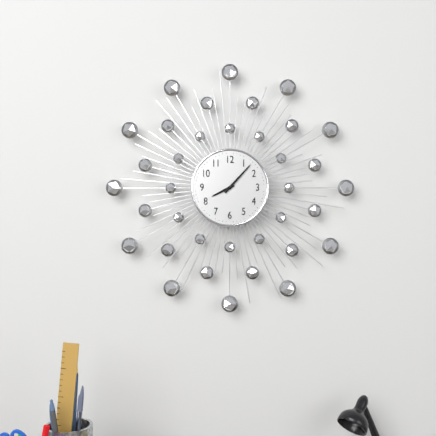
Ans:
h=8 m=7
